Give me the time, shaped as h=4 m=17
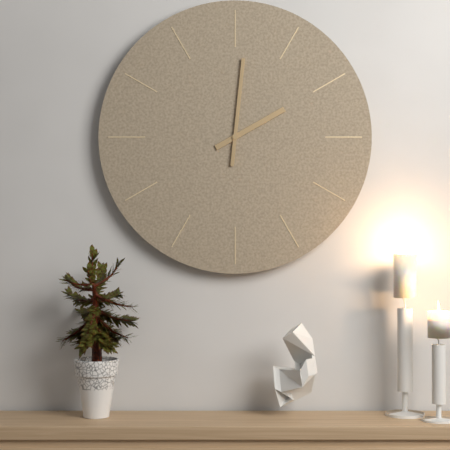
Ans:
h=2 m=1
